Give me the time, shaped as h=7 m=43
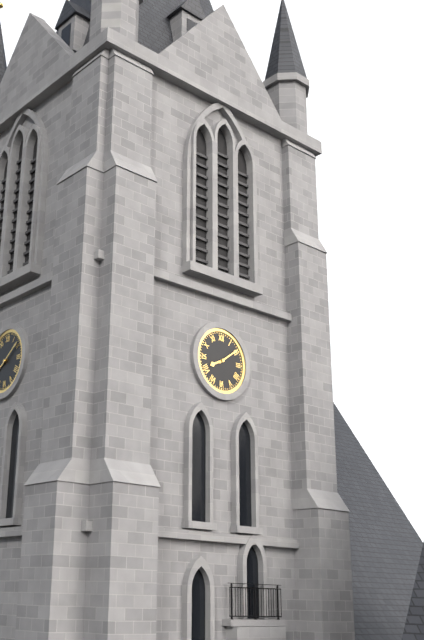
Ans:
h=8 m=9
